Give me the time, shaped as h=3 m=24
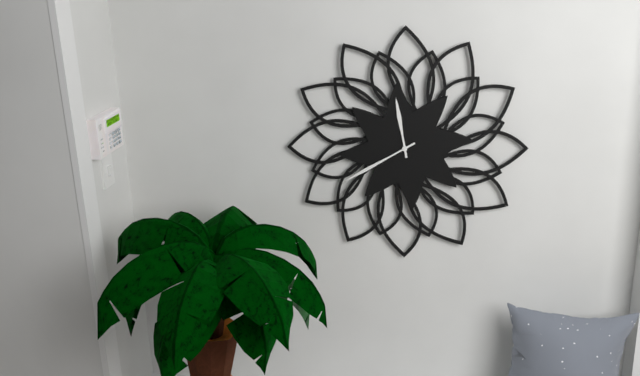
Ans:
h=11 m=40
